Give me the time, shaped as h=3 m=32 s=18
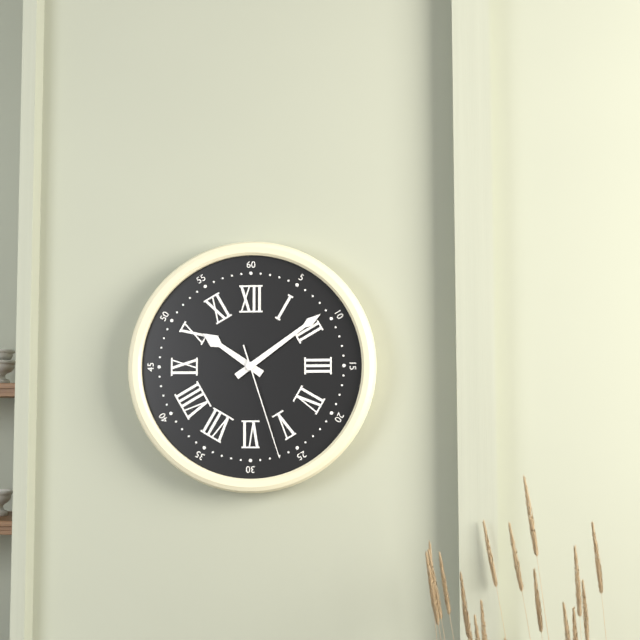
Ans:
h=10 m=9 s=27
